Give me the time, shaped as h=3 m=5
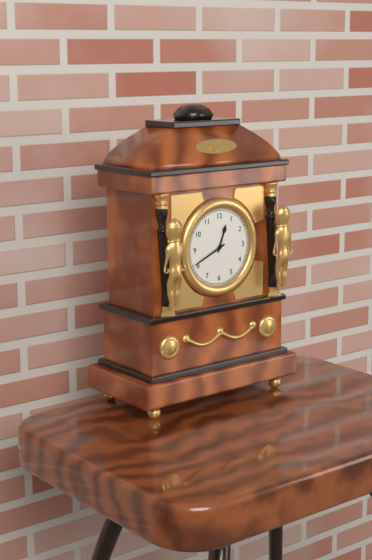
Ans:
h=12 m=41
